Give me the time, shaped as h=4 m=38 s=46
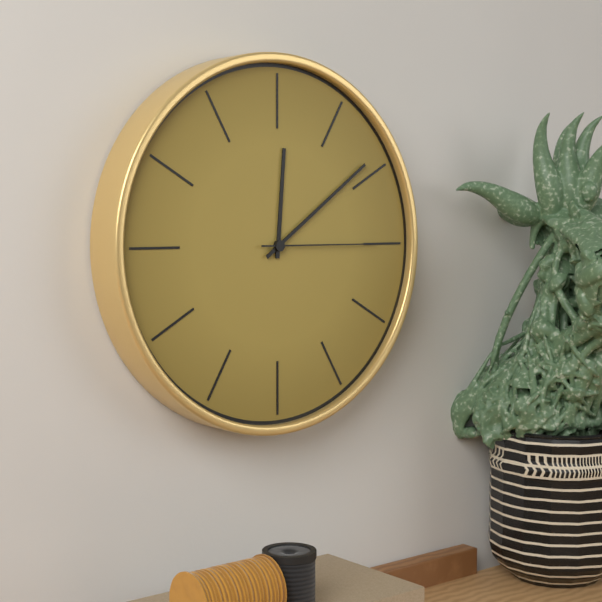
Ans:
h=12 m=9 s=15
